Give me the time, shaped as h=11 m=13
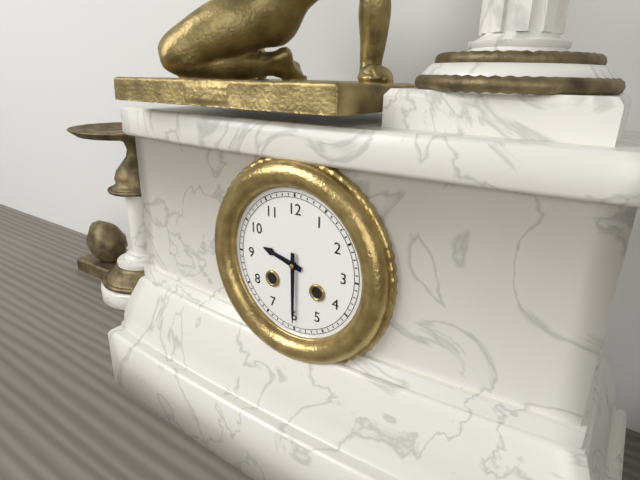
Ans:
h=9 m=30
